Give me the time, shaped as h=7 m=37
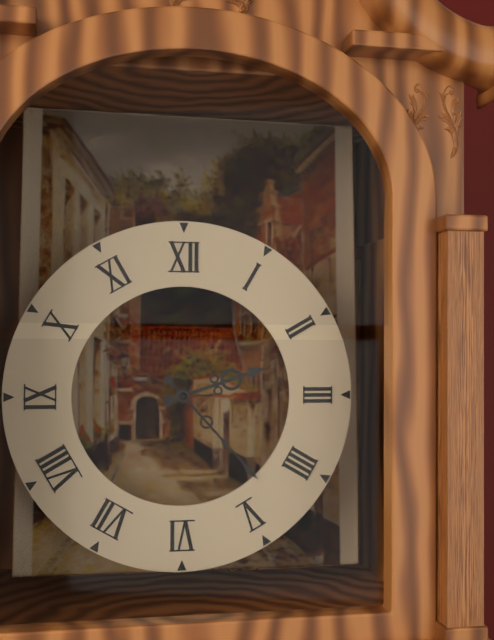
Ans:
h=2 m=23
